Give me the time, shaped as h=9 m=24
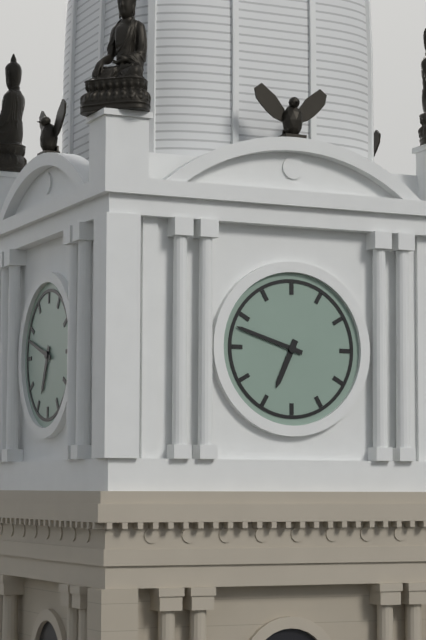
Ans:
h=6 m=48
